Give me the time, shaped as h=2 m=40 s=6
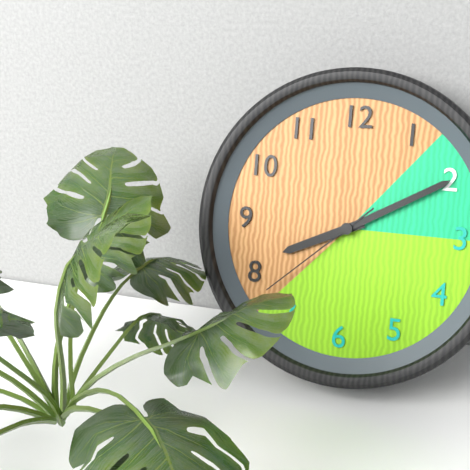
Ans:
h=8 m=10 s=38
